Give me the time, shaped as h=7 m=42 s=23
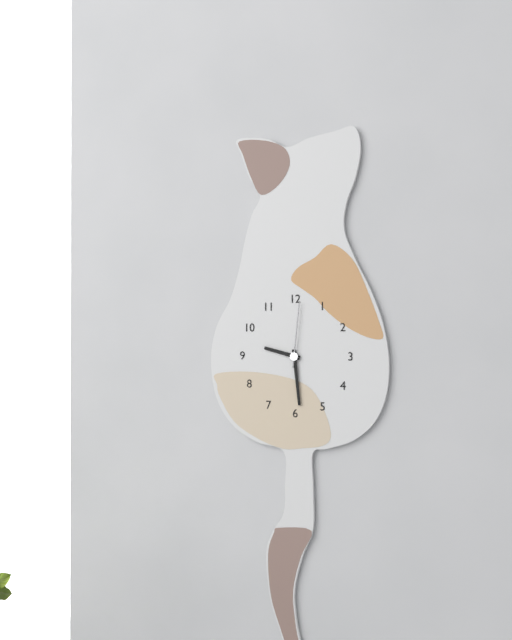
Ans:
h=9 m=29 s=1
